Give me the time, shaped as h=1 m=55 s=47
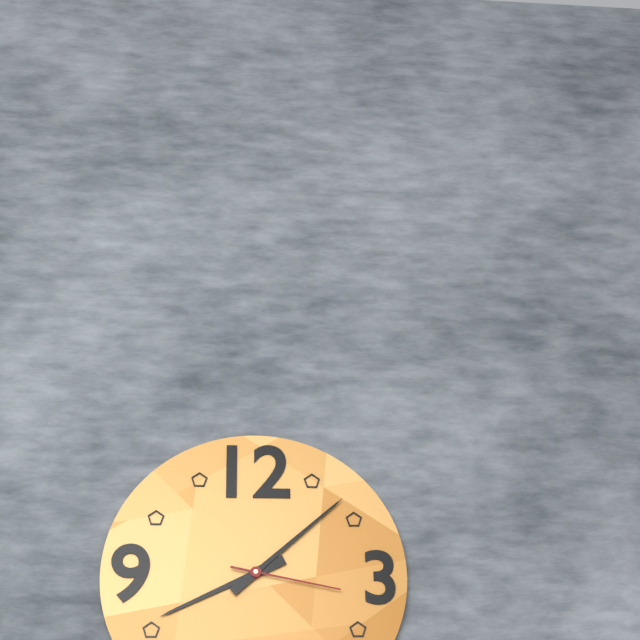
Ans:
h=8 m=8 s=17
